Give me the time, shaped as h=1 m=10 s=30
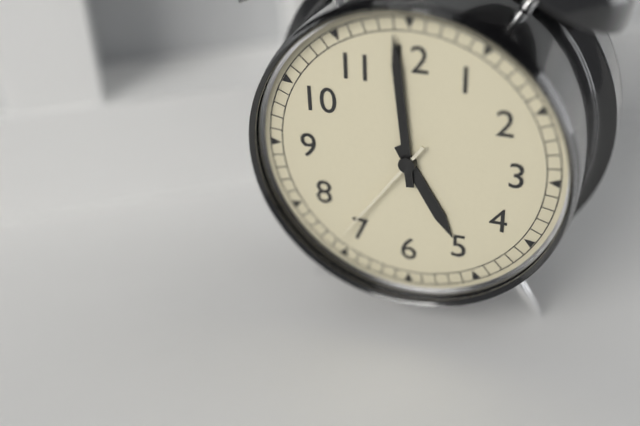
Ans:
h=4 m=59 s=36
